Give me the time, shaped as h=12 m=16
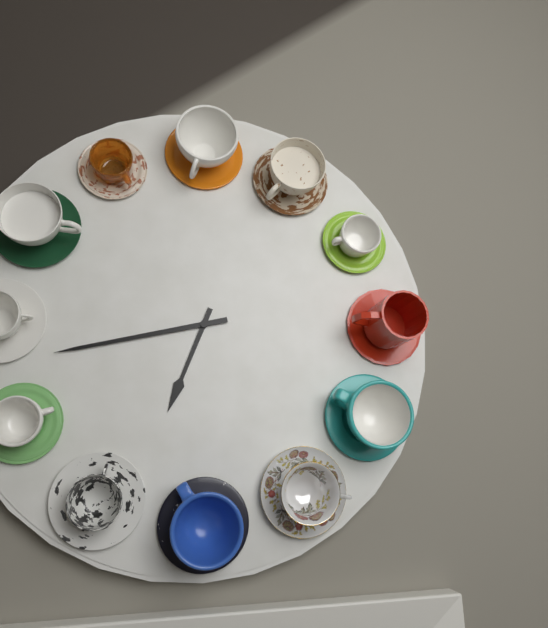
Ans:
h=6 m=43
